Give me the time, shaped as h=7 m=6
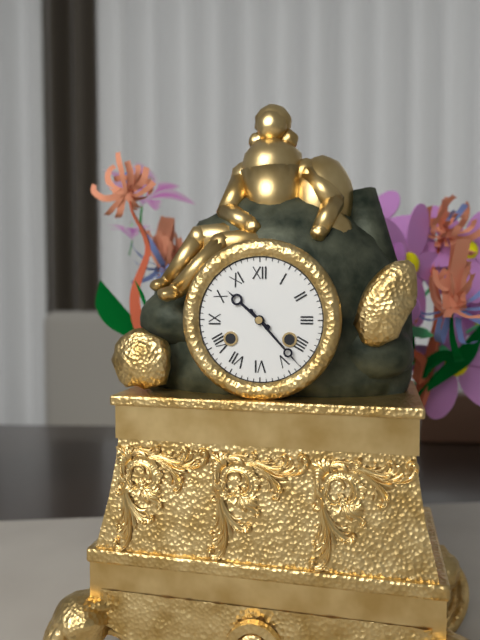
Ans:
h=10 m=23
